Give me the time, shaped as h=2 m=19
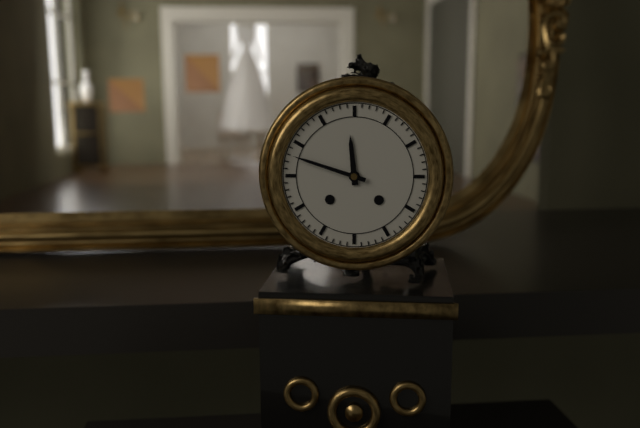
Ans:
h=11 m=48
